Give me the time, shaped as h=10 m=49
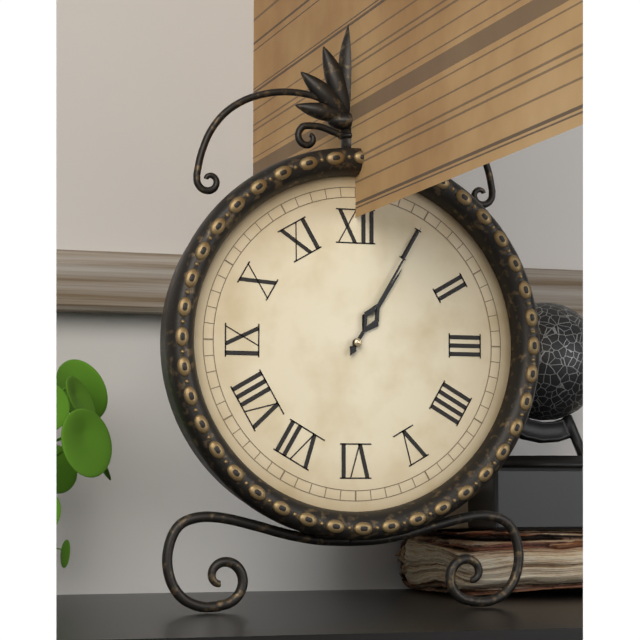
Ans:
h=1 m=5
